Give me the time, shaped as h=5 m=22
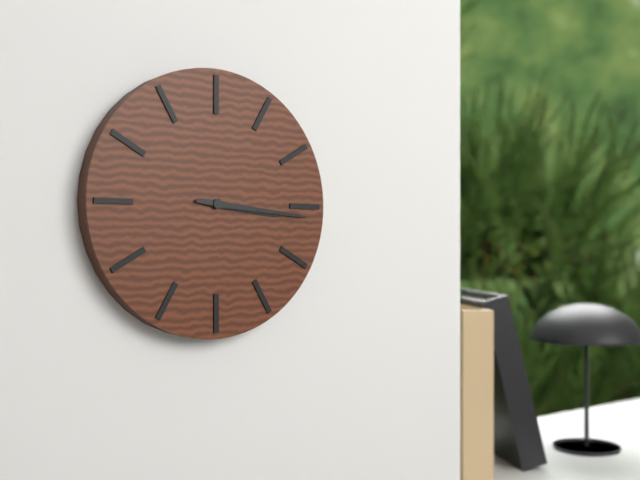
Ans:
h=3 m=16
